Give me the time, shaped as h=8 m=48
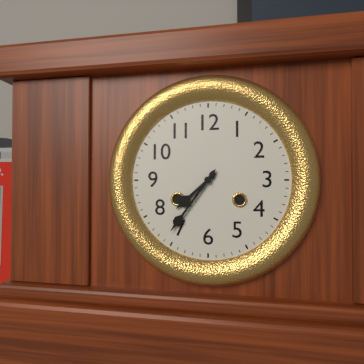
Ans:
h=7 m=36
